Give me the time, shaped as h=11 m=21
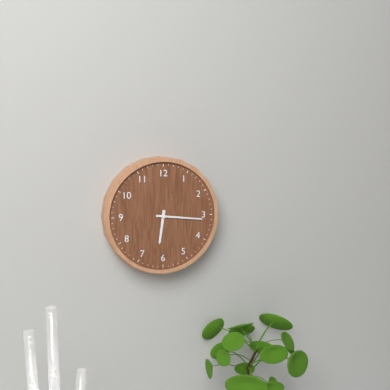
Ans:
h=6 m=16
